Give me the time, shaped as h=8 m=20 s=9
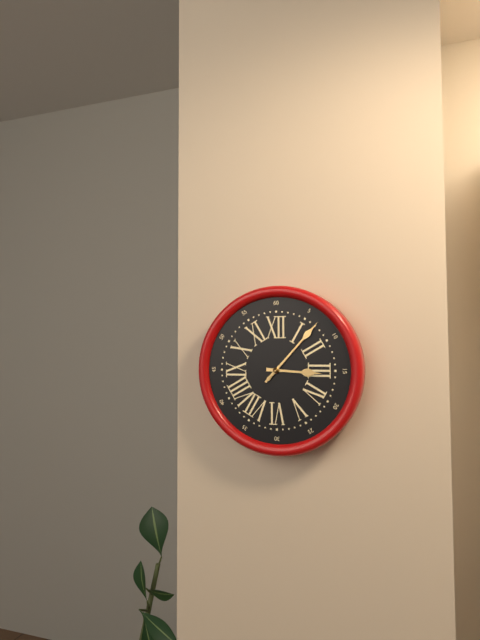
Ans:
h=3 m=7 s=7
